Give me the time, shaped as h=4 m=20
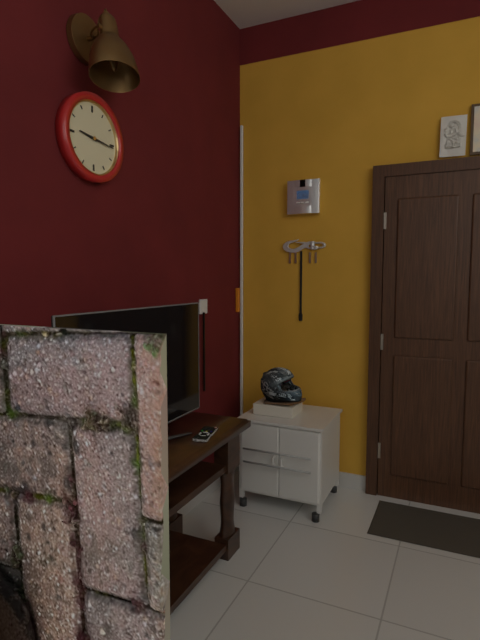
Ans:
h=9 m=16
